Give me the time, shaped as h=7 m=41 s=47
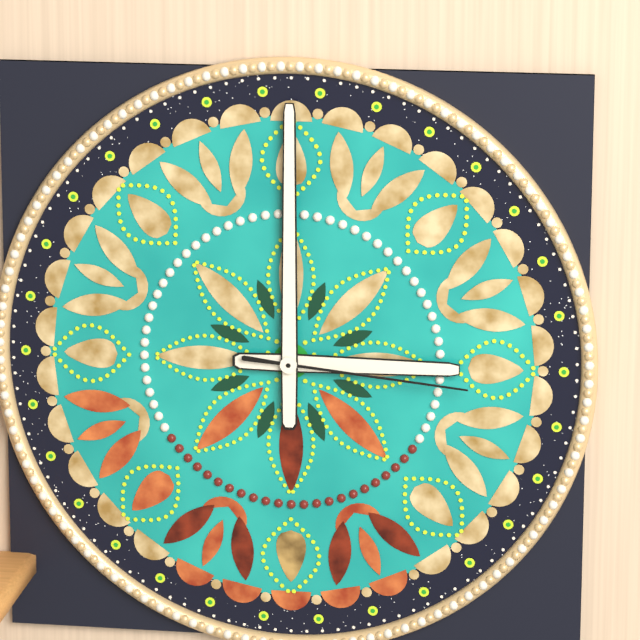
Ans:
h=3 m=0 s=16
